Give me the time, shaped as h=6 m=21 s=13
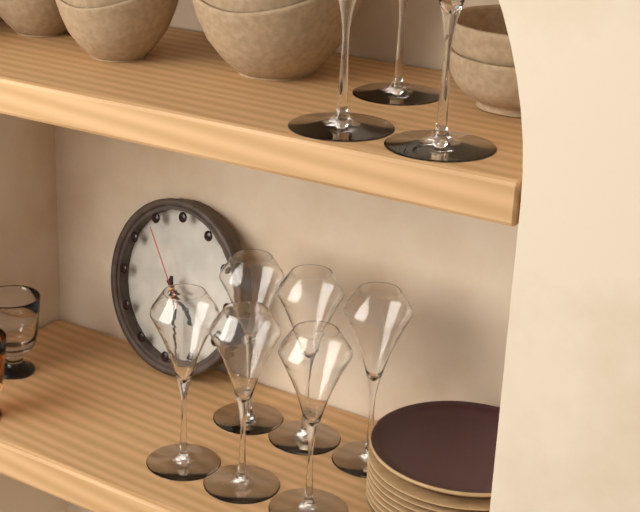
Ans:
h=4 m=28 s=54
